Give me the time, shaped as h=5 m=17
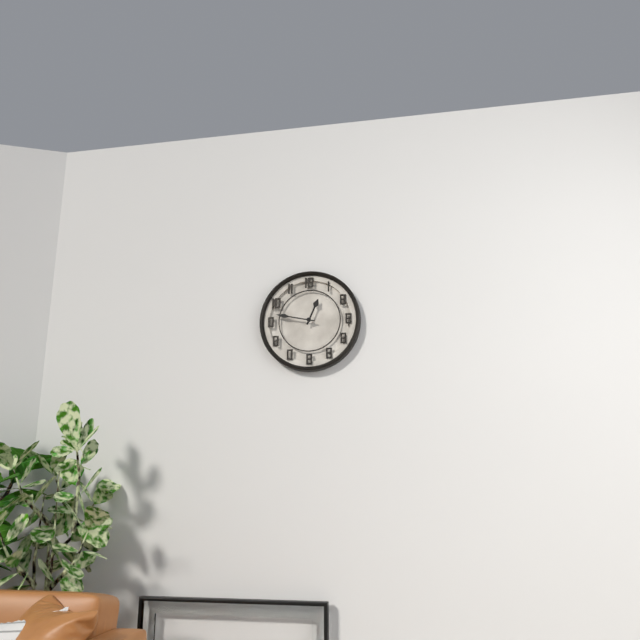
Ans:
h=12 m=47
